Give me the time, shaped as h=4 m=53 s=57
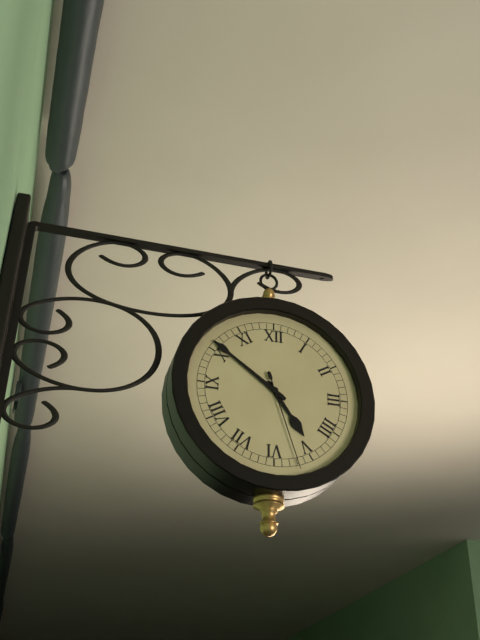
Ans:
h=4 m=51 s=27
